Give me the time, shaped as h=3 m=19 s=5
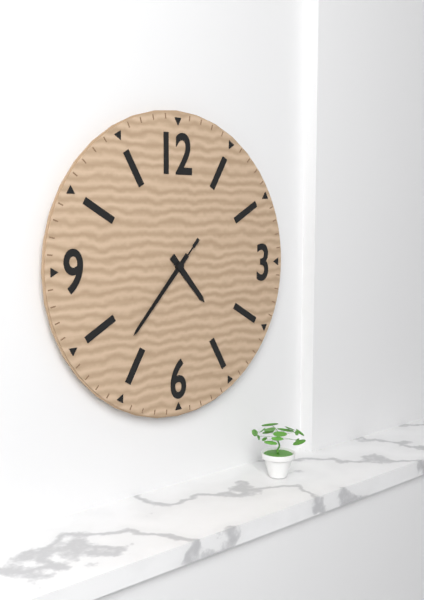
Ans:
h=4 m=37 s=37
